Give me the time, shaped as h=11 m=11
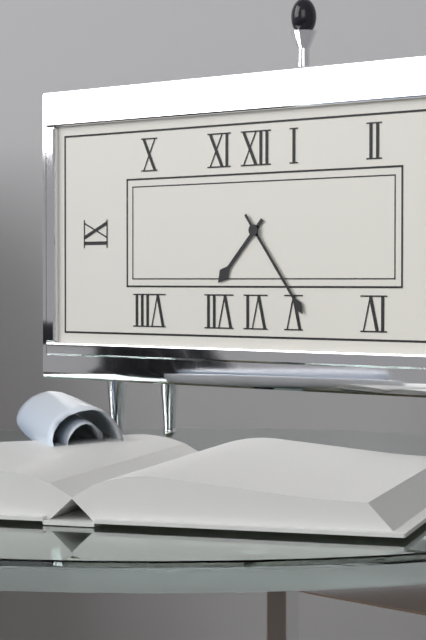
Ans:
h=7 m=24
